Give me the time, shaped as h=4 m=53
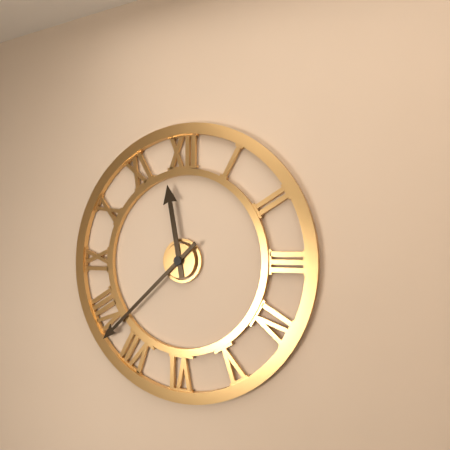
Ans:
h=11 m=38
